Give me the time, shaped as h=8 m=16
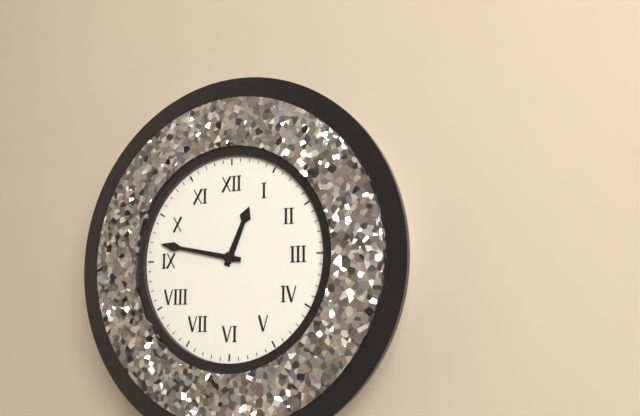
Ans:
h=12 m=47
